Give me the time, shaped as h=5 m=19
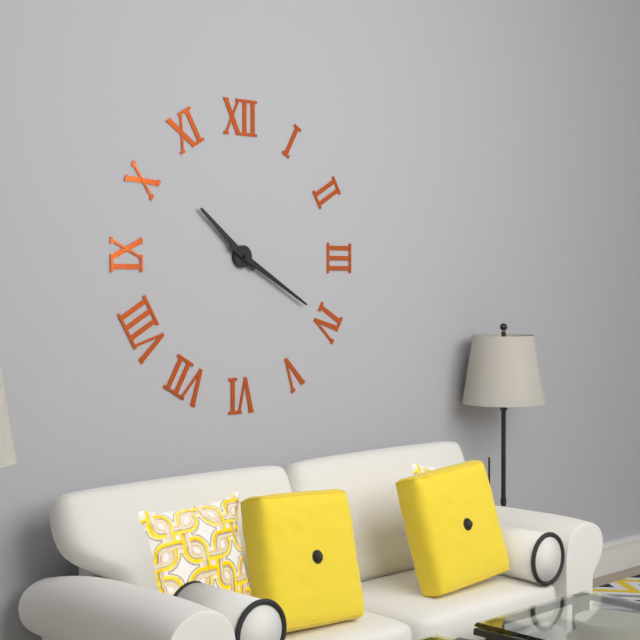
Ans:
h=10 m=20
